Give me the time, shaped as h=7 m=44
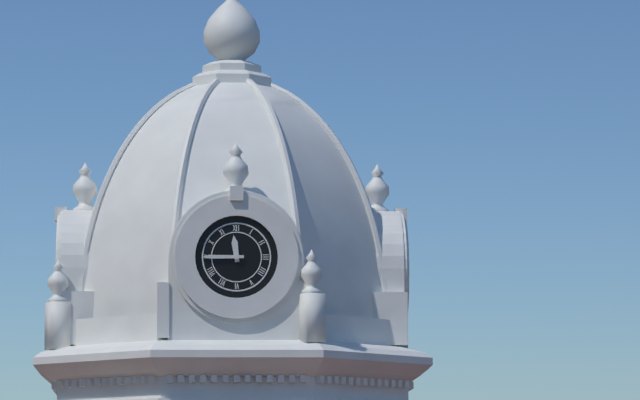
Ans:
h=11 m=45
